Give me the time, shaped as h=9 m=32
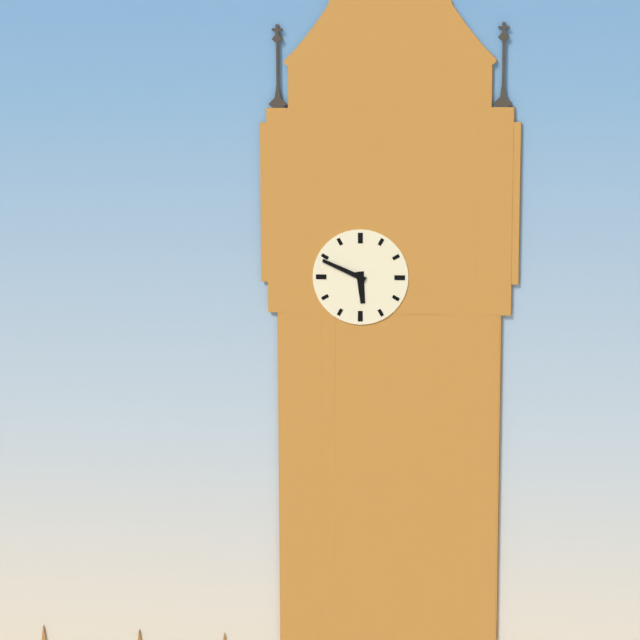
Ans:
h=5 m=49
